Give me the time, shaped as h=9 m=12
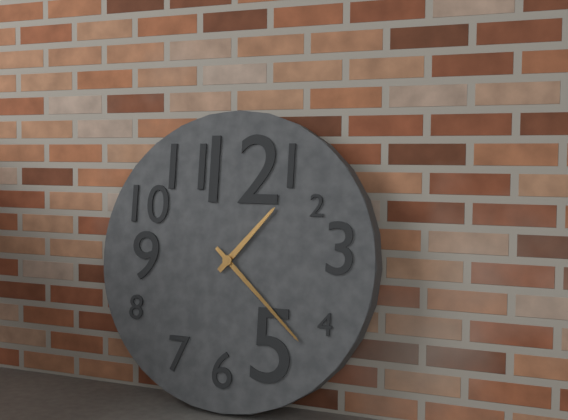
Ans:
h=1 m=22
